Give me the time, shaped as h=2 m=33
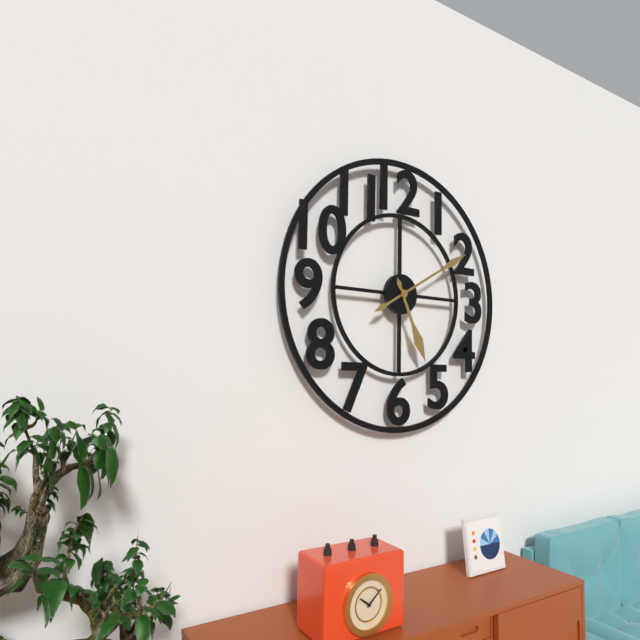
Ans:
h=5 m=10
